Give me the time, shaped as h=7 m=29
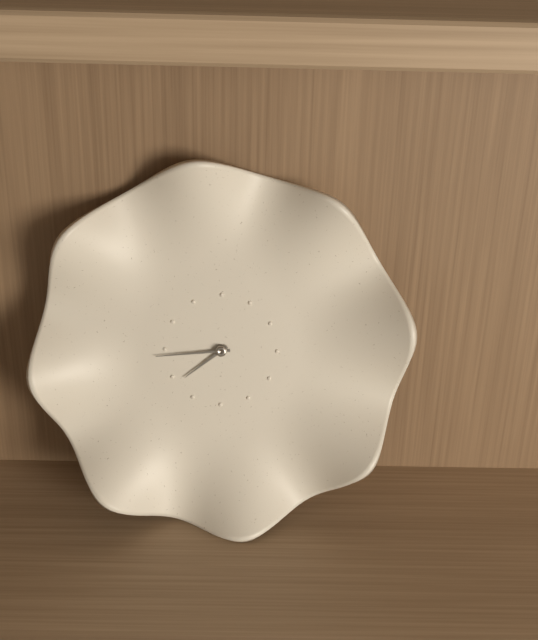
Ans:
h=7 m=44
